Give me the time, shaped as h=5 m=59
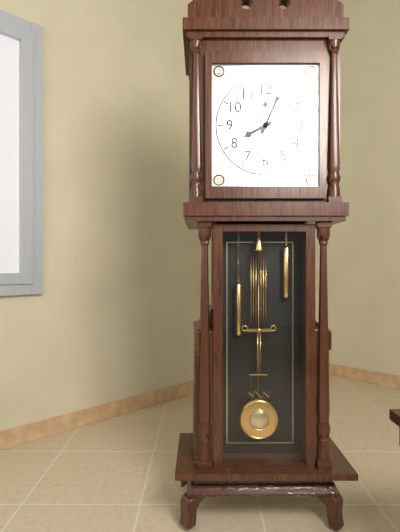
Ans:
h=8 m=4
